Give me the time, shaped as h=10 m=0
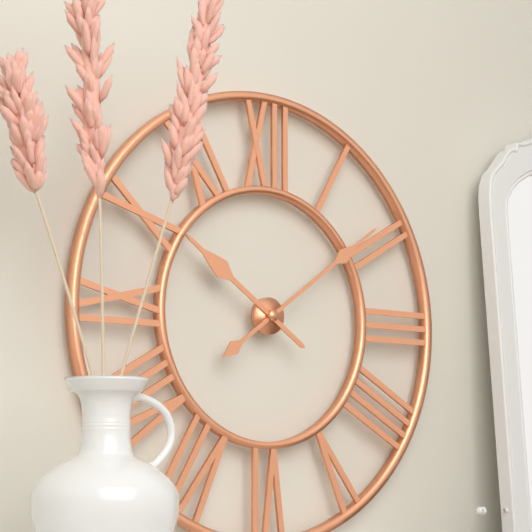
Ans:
h=10 m=9
